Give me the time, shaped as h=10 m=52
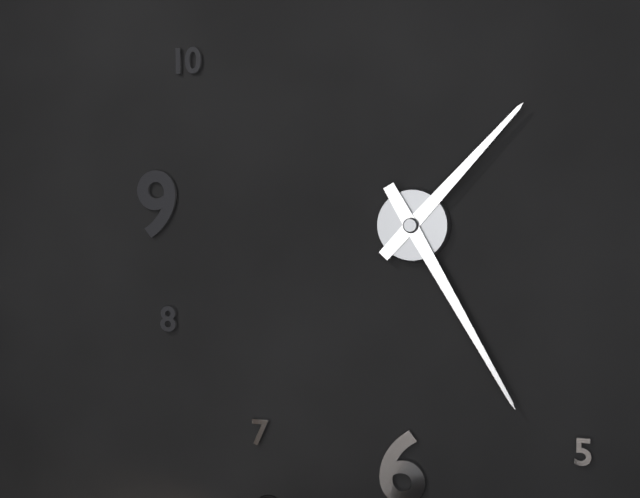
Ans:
h=1 m=25
